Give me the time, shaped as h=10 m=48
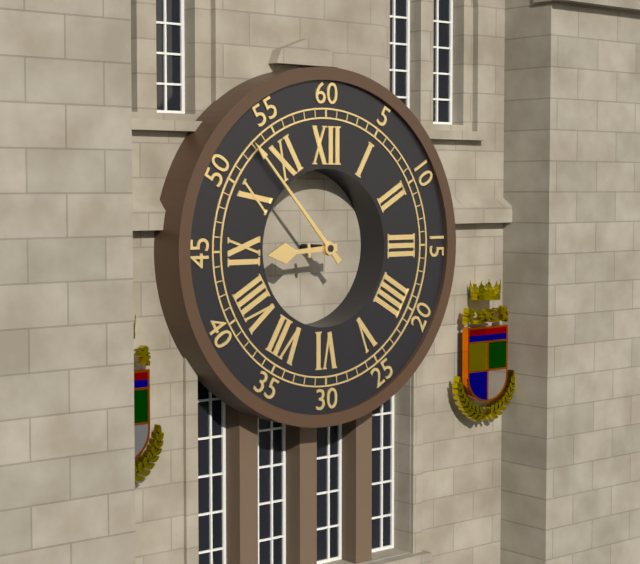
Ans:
h=8 m=53
